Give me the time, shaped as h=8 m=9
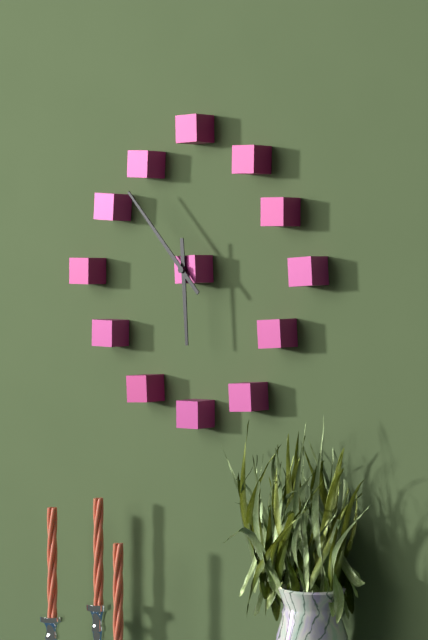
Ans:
h=5 m=53
